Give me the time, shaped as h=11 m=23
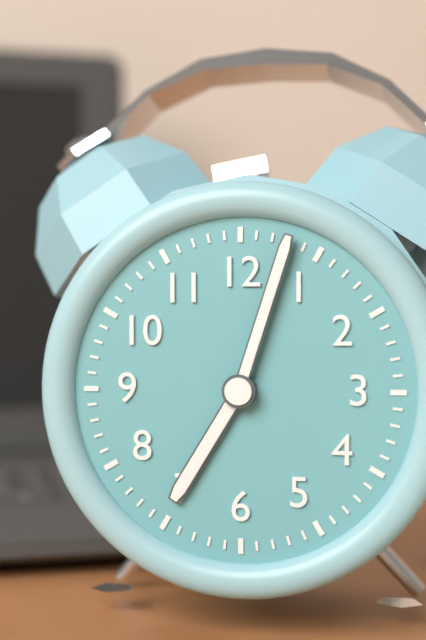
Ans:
h=7 m=3
